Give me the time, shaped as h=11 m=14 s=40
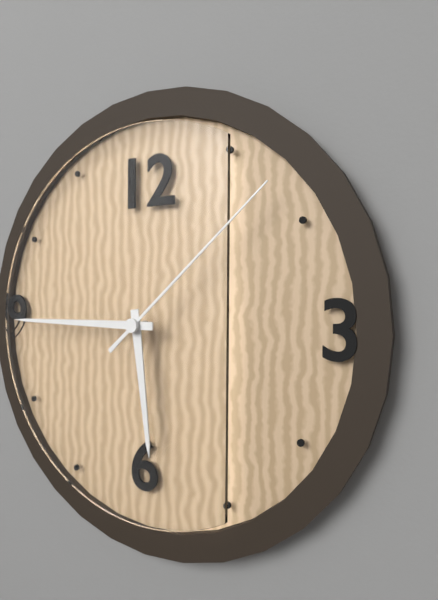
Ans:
h=5 m=45 s=8
